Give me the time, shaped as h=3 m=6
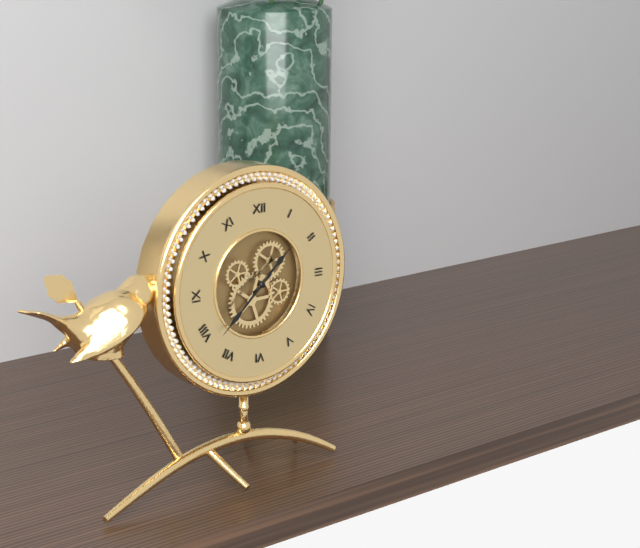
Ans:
h=1 m=38
